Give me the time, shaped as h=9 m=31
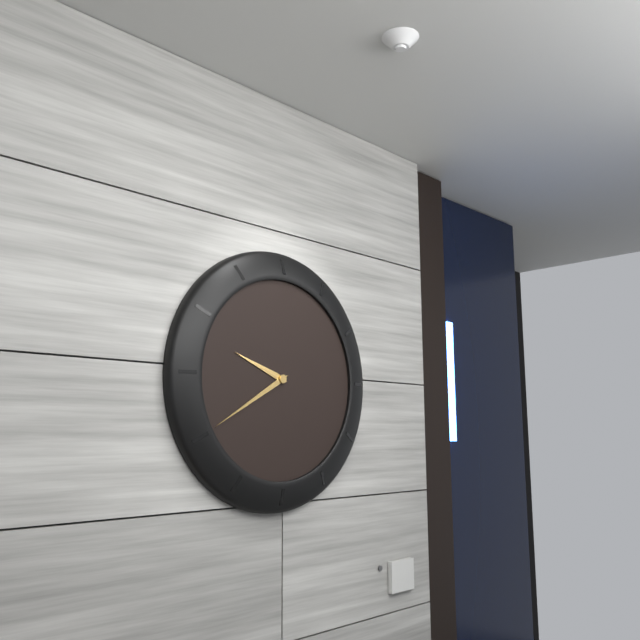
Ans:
h=9 m=40
